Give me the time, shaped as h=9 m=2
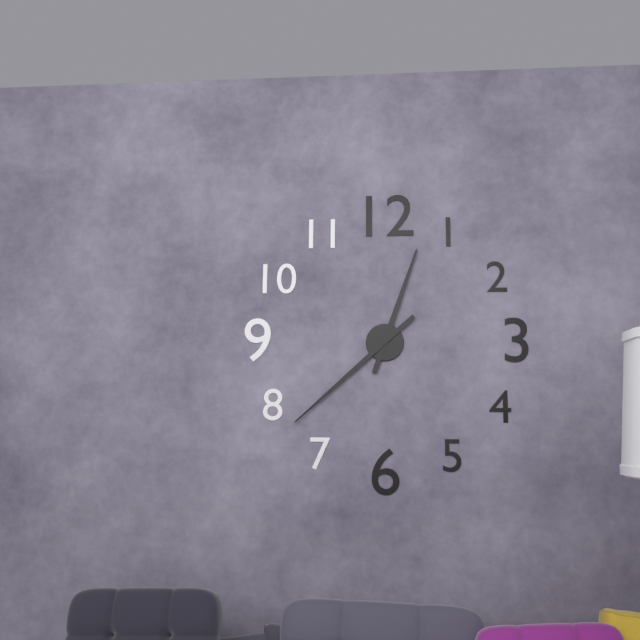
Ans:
h=12 m=38
